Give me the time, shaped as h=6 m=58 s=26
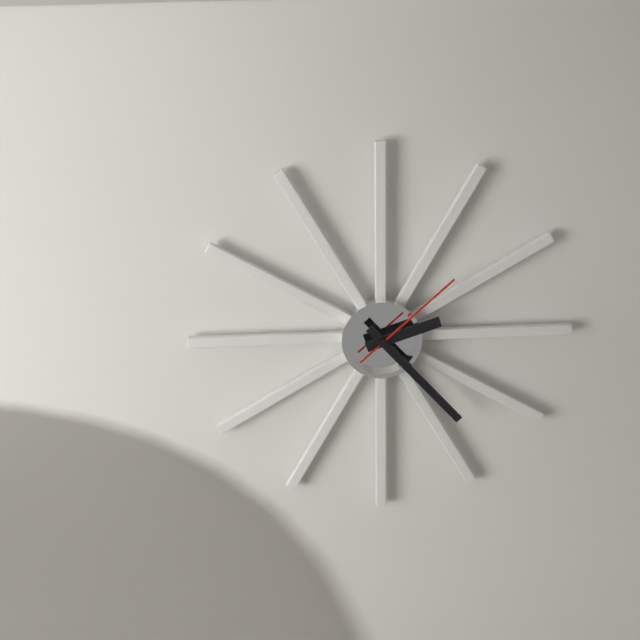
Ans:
h=2 m=23 s=8
